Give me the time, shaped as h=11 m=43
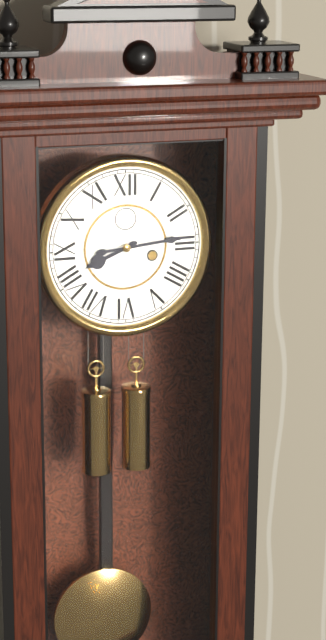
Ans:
h=8 m=14
